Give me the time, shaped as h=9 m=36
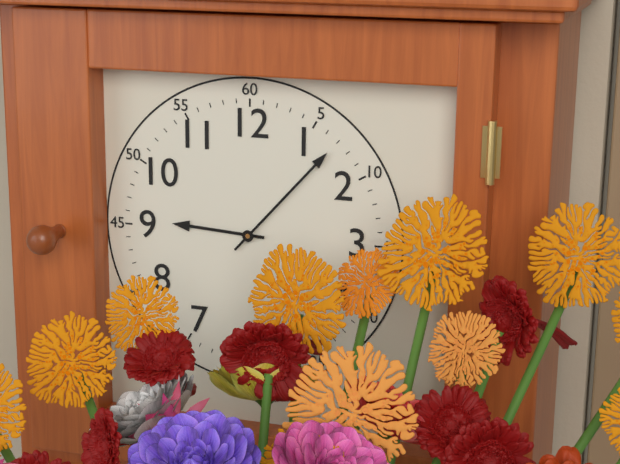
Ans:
h=9 m=7
